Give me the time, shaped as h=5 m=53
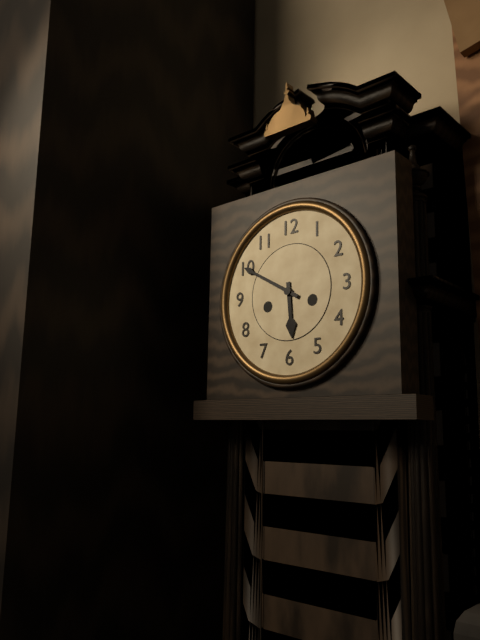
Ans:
h=5 m=50
